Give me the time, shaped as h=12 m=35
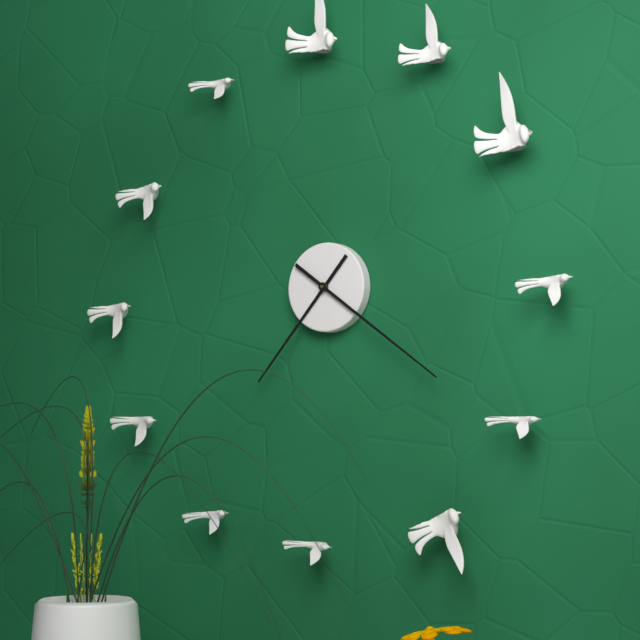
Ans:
h=7 m=21
